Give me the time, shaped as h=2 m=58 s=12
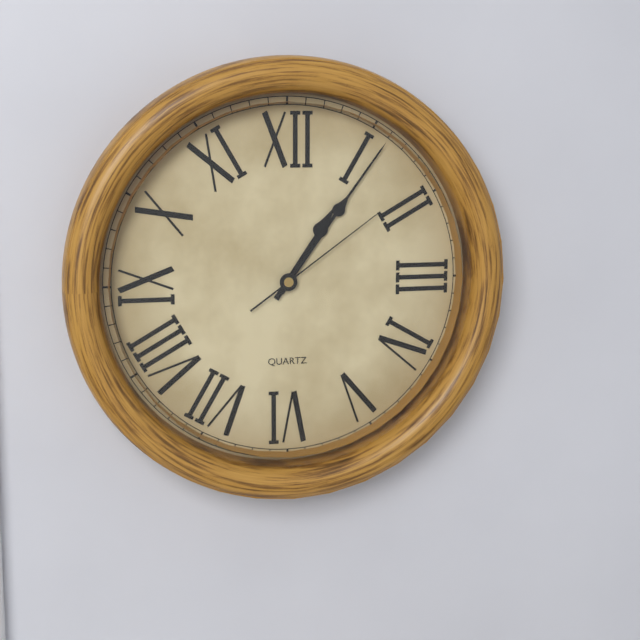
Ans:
h=1 m=6 s=9
